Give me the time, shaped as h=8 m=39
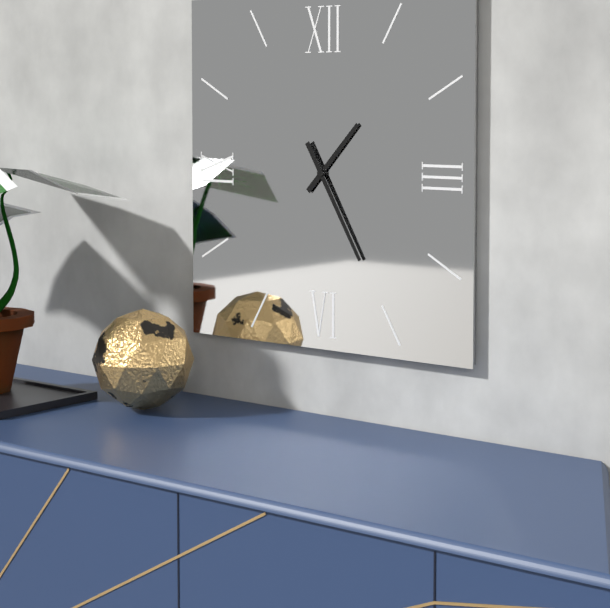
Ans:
h=1 m=25
